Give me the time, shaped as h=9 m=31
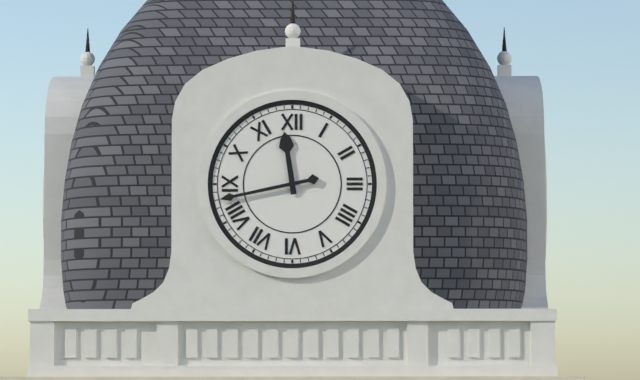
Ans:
h=11 m=43
